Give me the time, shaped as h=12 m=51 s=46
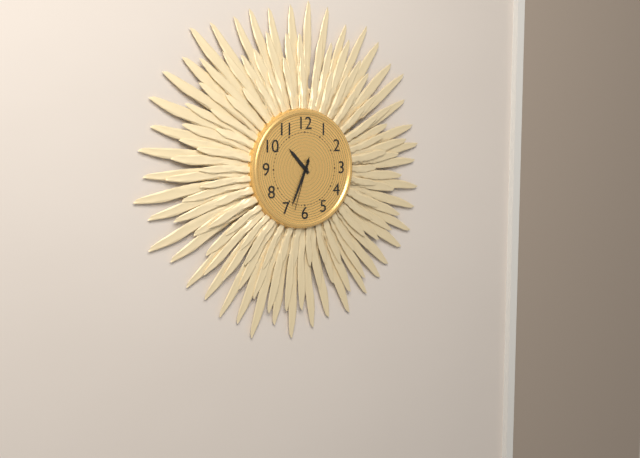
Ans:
h=10 m=34 s=33
